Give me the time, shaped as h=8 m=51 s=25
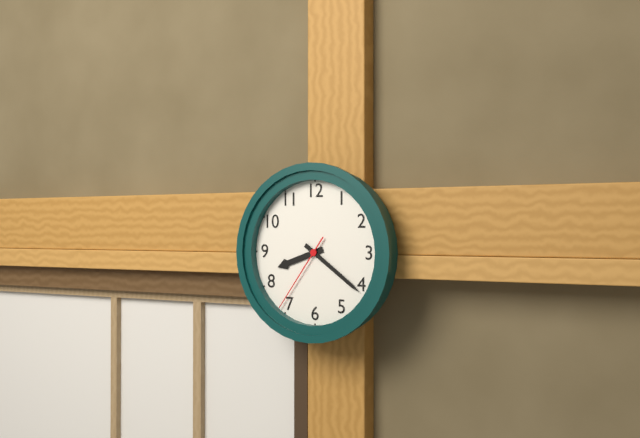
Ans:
h=8 m=21 s=36
